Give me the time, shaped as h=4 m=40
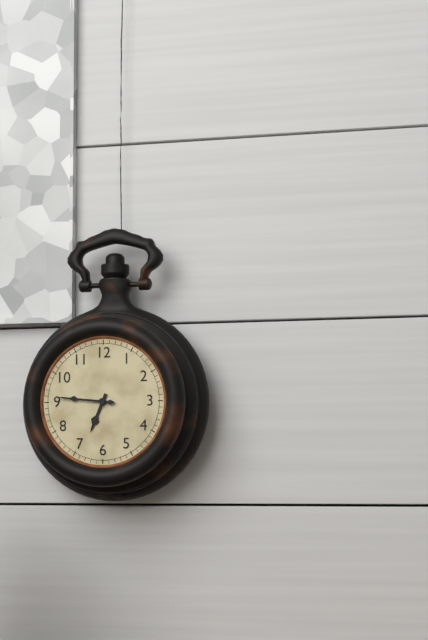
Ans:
h=6 m=46
